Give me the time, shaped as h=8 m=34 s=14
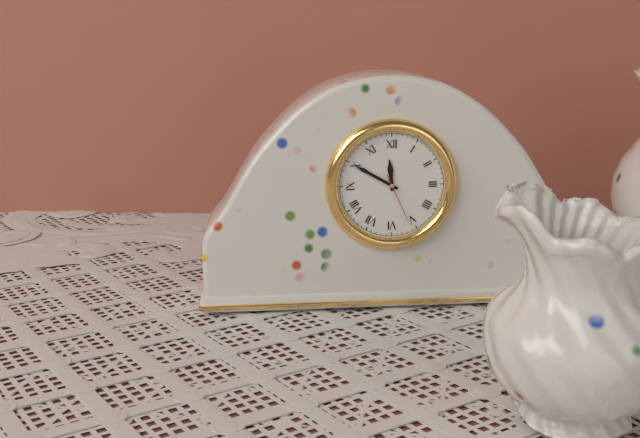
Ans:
h=11 m=50 s=26
